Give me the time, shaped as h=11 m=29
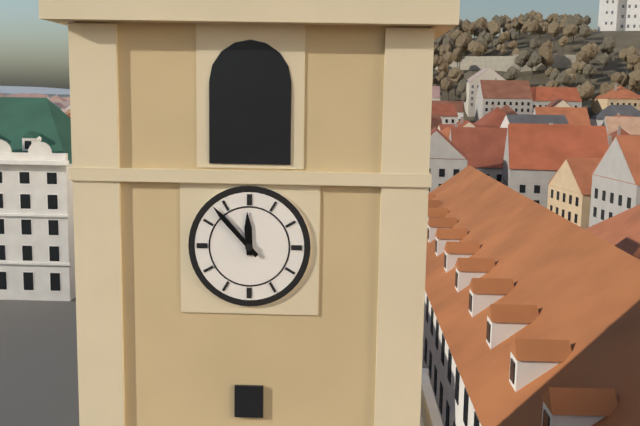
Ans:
h=11 m=53
